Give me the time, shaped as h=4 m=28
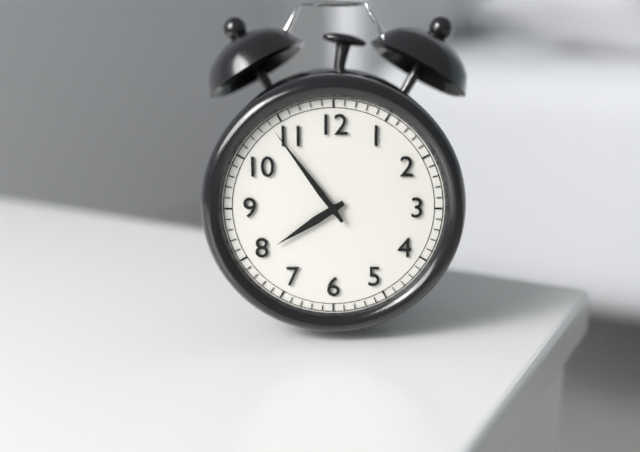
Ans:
h=7 m=54
